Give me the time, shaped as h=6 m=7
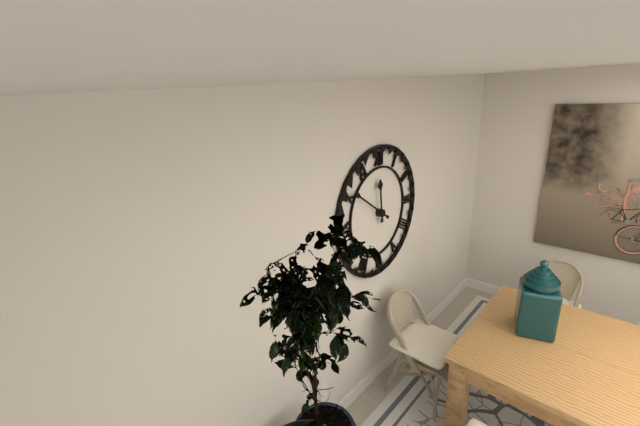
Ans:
h=11 m=51
